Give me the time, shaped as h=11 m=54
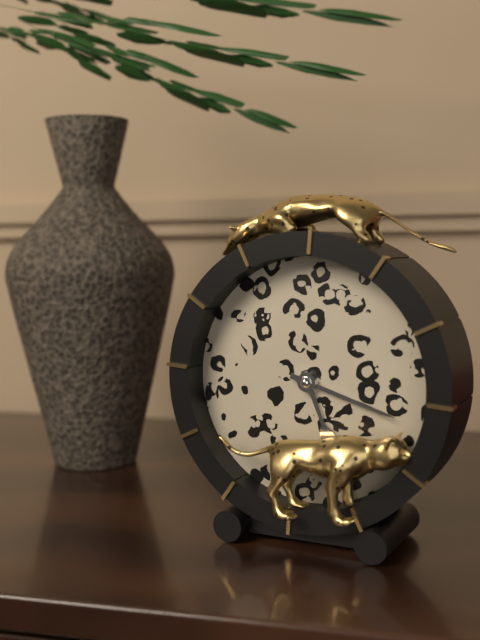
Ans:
h=5 m=18
